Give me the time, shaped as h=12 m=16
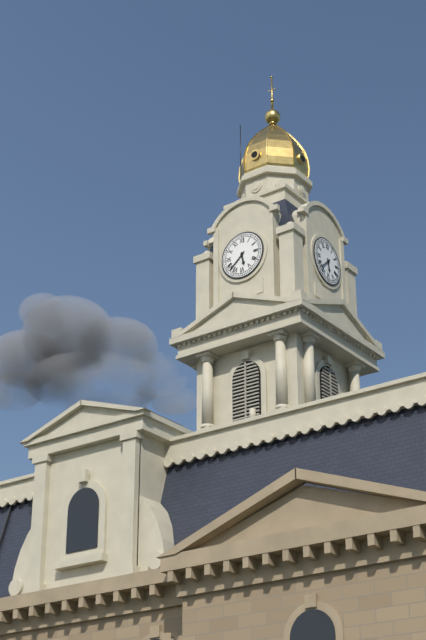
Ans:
h=5 m=38
